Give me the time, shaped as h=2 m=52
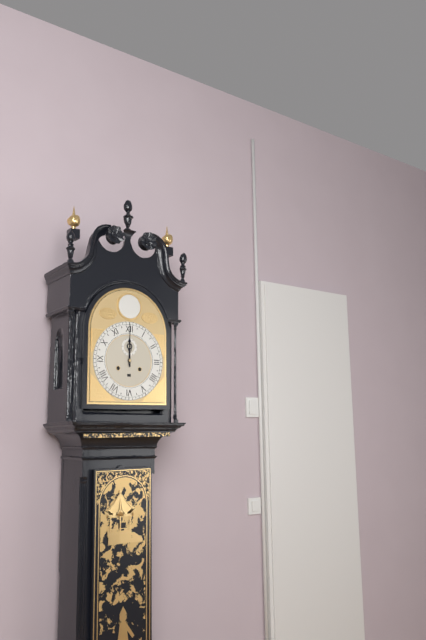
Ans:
h=12 m=0
